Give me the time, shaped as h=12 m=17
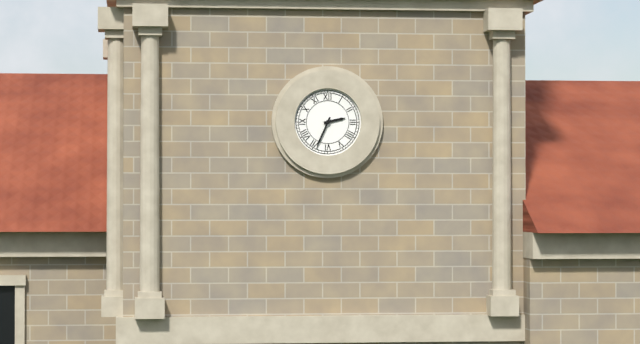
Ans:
h=2 m=34
